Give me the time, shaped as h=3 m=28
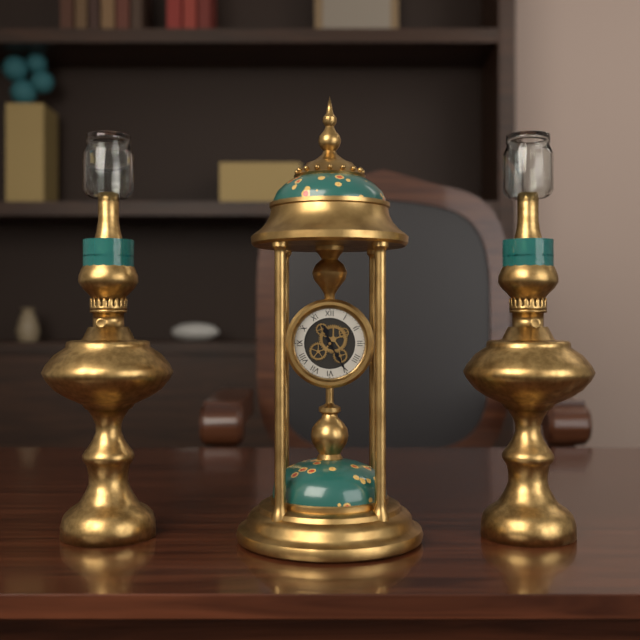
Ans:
h=11 m=25
